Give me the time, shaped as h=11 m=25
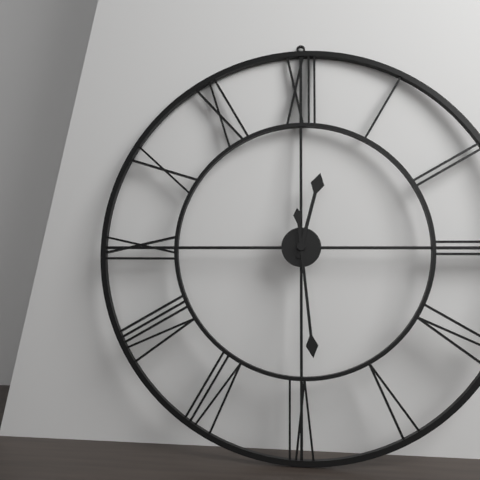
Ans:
h=12 m=29
